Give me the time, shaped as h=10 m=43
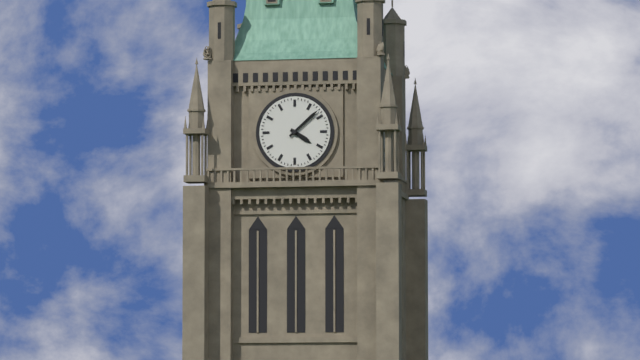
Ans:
h=4 m=8
